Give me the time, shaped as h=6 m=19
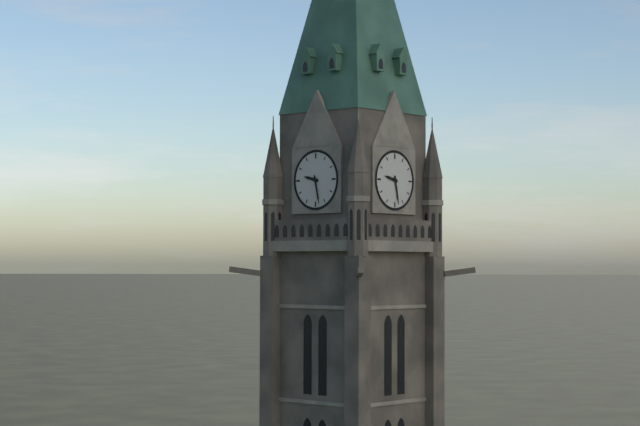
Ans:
h=9 m=28
